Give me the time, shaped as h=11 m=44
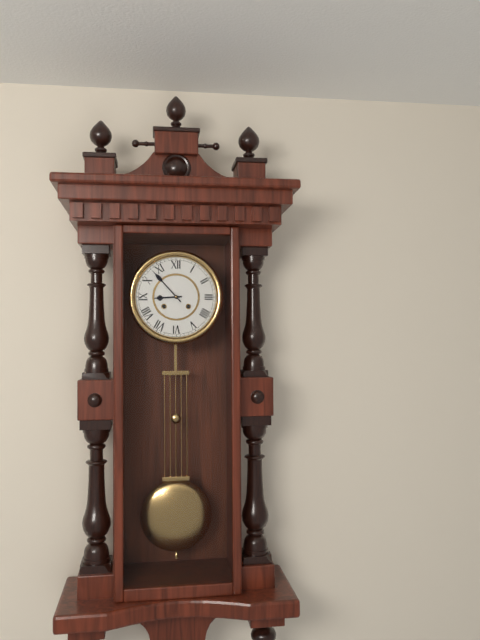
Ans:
h=8 m=53
